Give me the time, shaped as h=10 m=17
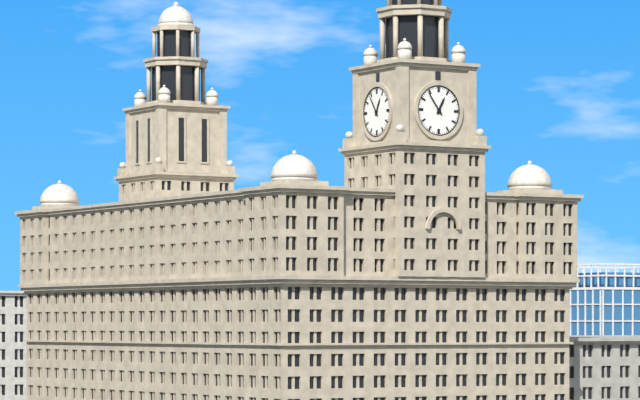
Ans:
h=12 m=54
